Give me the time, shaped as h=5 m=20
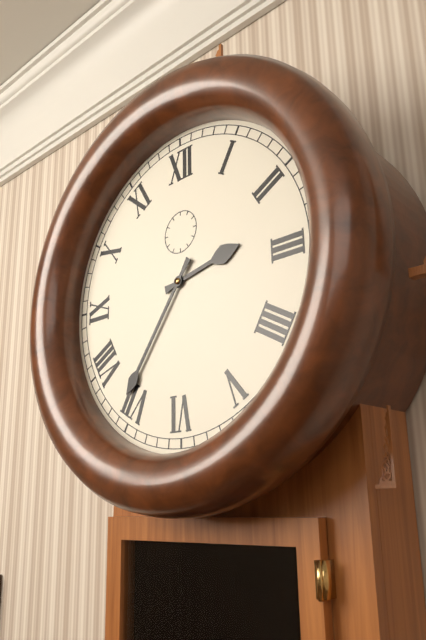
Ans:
h=2 m=36
